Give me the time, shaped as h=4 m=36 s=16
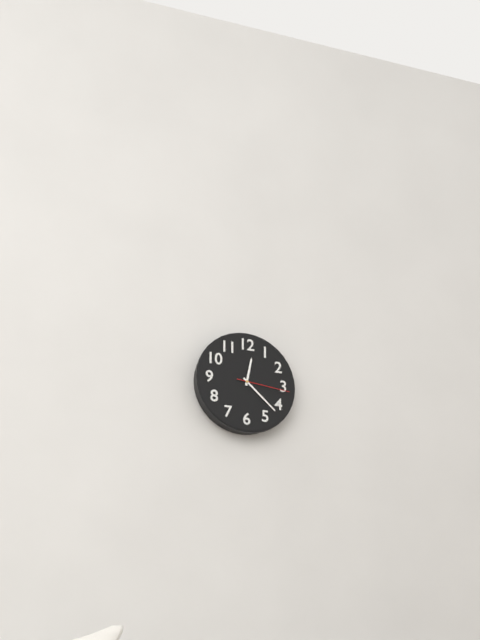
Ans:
h=12 m=22 s=16
